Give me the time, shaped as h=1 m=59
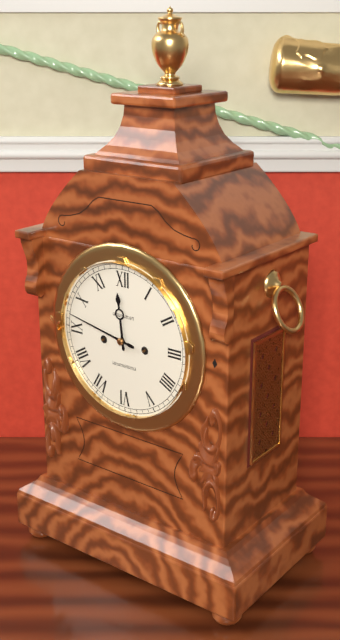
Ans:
h=11 m=47
